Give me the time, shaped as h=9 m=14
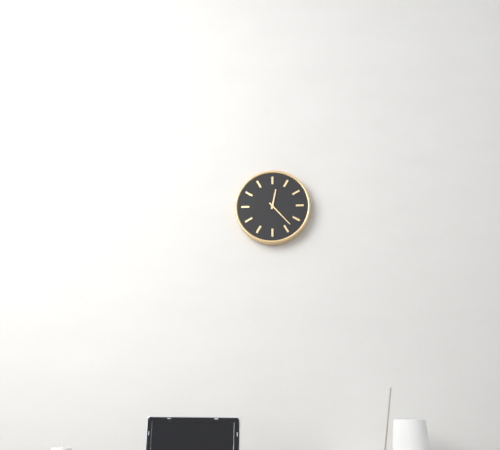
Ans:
h=12 m=23
